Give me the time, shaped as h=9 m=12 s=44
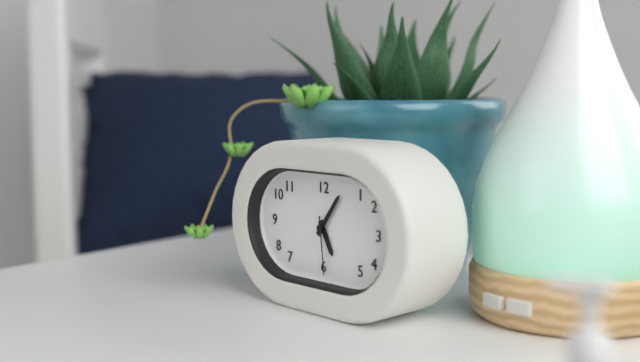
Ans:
h=5 m=6 s=29
